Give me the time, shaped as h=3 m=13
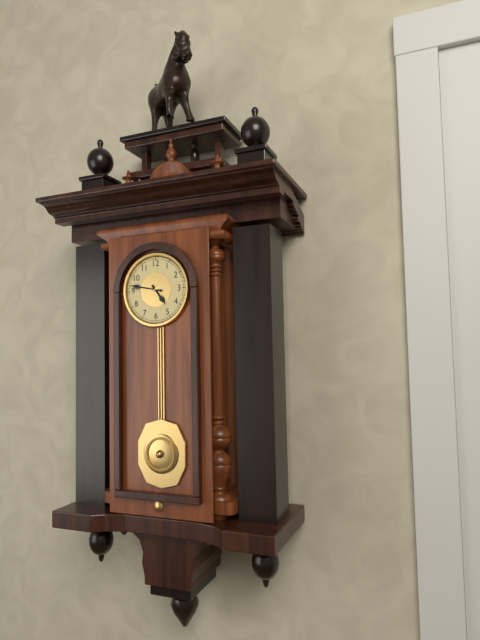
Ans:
h=4 m=47
